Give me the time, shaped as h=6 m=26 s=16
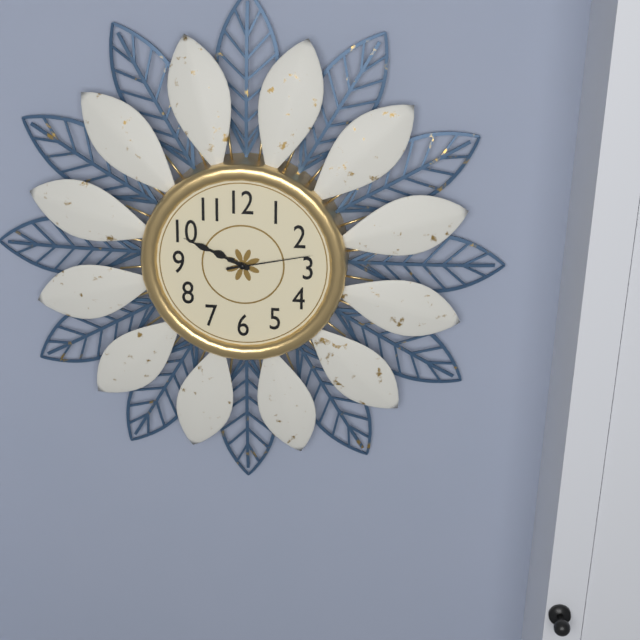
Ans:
h=9 m=49 s=13
